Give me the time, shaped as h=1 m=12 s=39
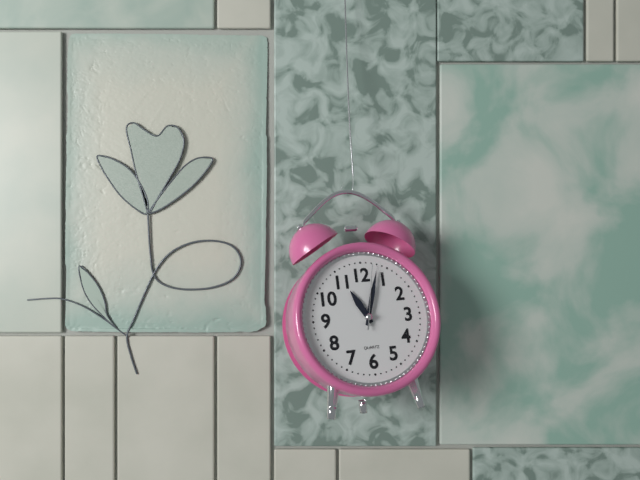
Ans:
h=11 m=3 s=2
